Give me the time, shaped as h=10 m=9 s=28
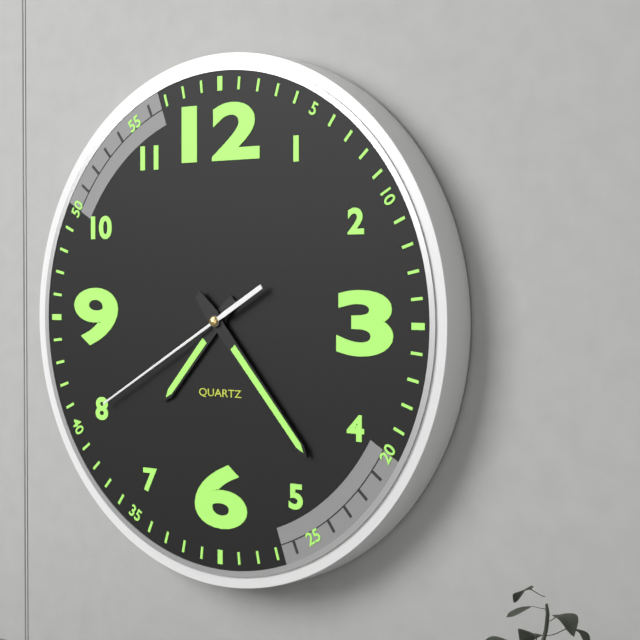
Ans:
h=7 m=23 s=40
